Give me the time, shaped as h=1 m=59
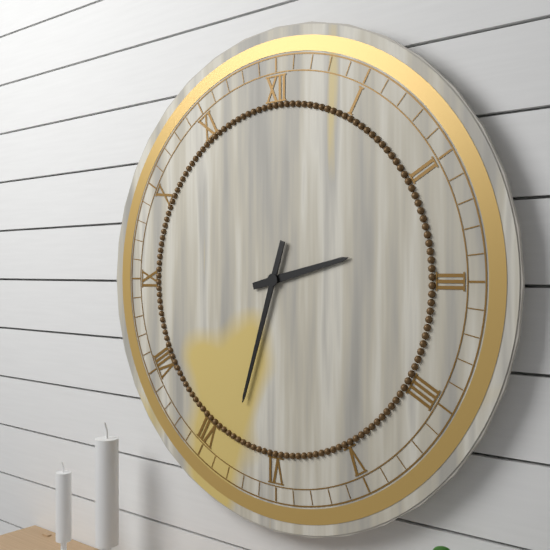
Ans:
h=2 m=33
